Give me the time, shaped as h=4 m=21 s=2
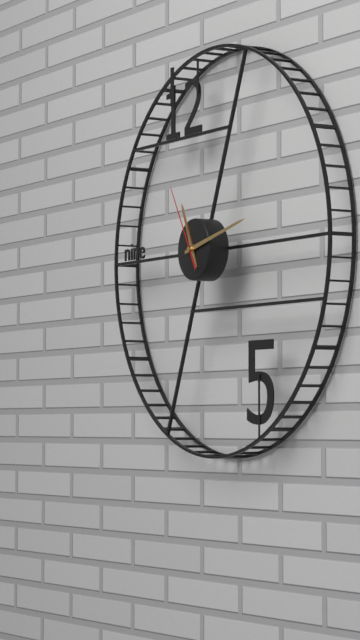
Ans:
h=11 m=13 s=55
